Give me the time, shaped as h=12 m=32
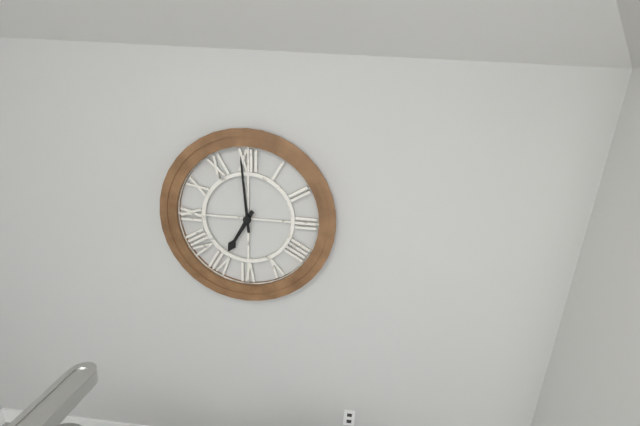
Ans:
h=6 m=59
